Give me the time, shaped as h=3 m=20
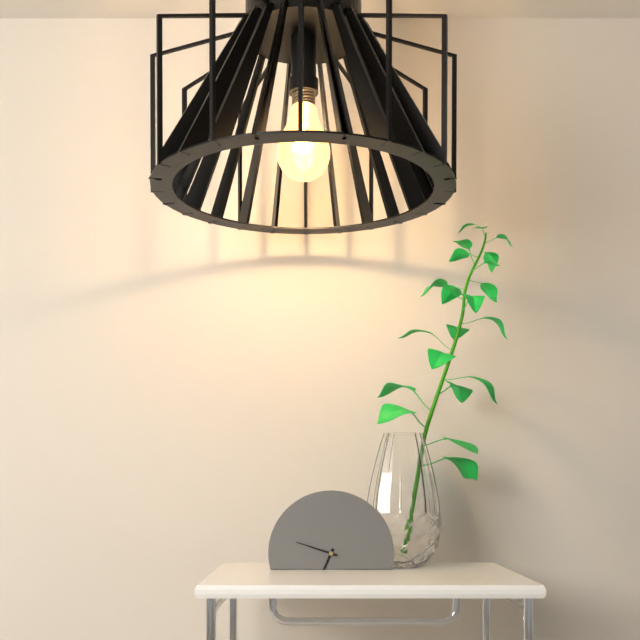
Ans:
h=6 m=48
